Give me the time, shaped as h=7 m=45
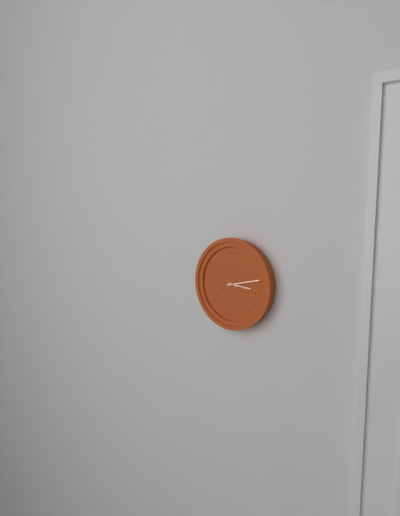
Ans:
h=3 m=13
